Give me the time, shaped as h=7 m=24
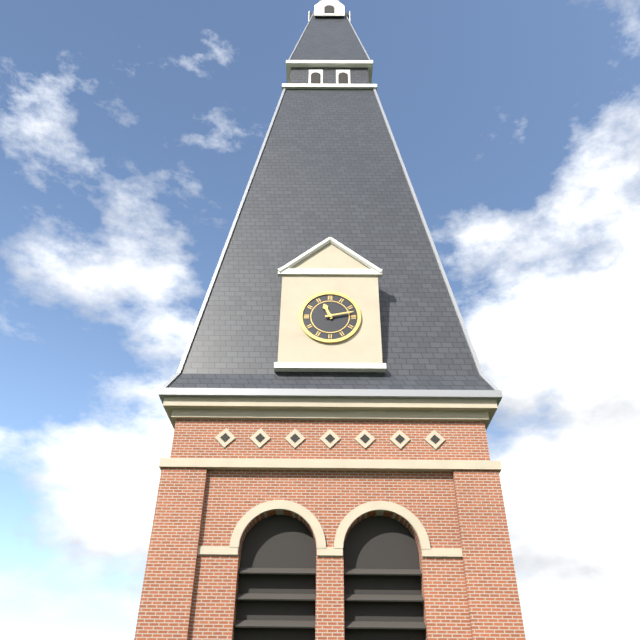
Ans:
h=11 m=13
